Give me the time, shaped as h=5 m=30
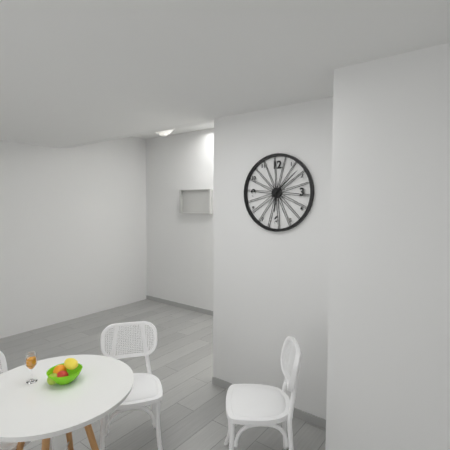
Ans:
h=6 m=8
